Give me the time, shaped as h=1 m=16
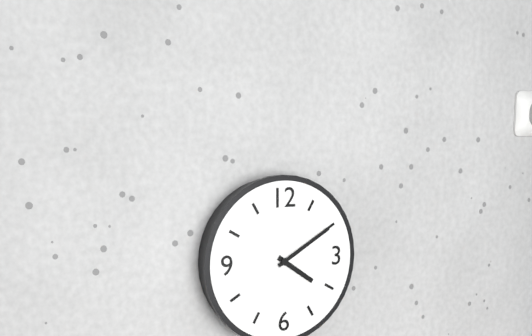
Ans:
h=4 m=10
